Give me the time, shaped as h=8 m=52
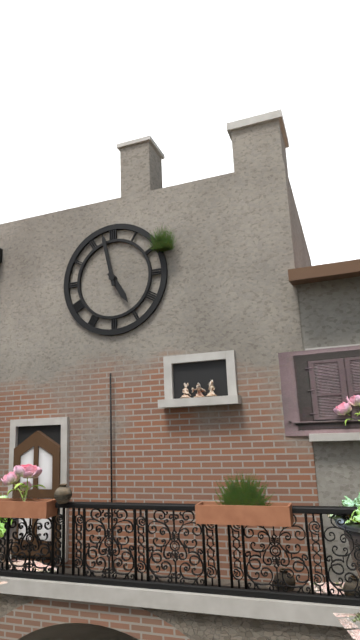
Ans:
h=4 m=58
